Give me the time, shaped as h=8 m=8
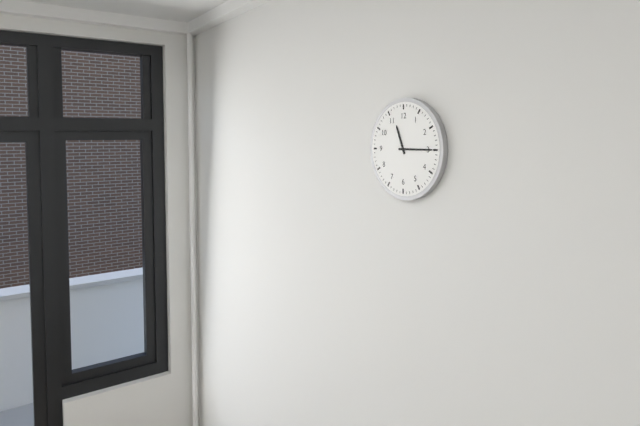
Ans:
h=11 m=15
